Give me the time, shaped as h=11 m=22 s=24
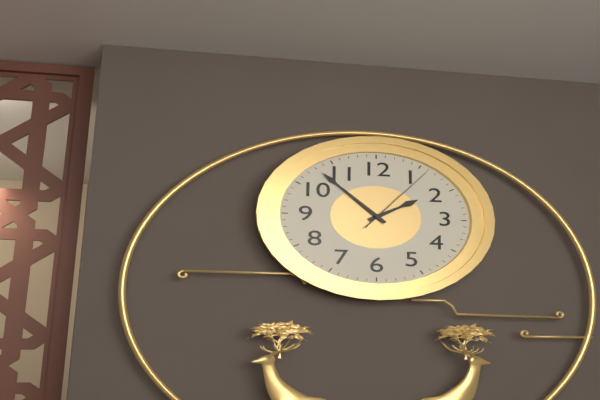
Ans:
h=1 m=53 s=6
